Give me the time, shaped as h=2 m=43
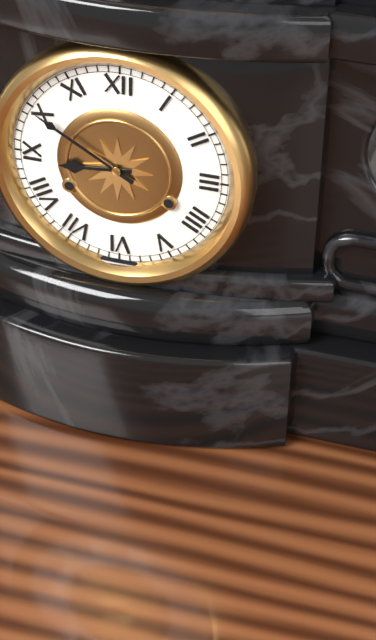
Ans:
h=8 m=50
